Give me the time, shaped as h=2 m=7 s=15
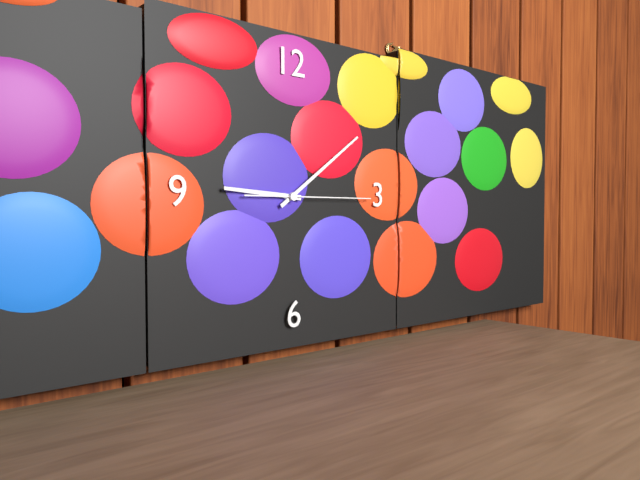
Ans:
h=9 m=9 s=15
